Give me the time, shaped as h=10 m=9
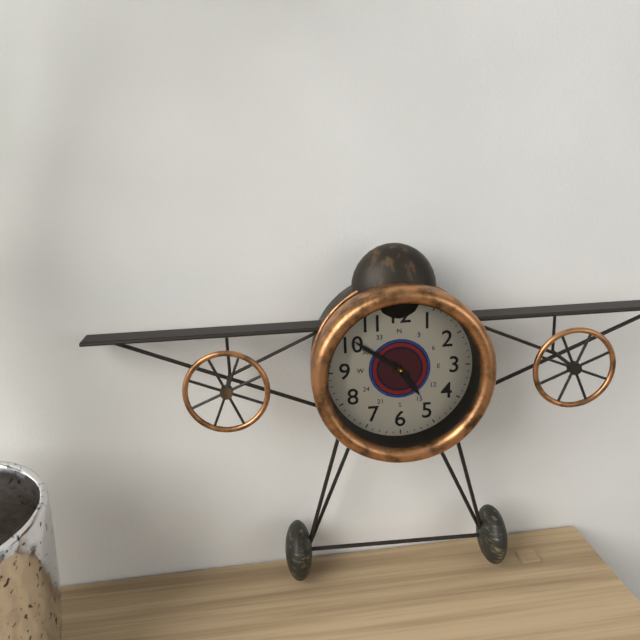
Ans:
h=4 m=51
